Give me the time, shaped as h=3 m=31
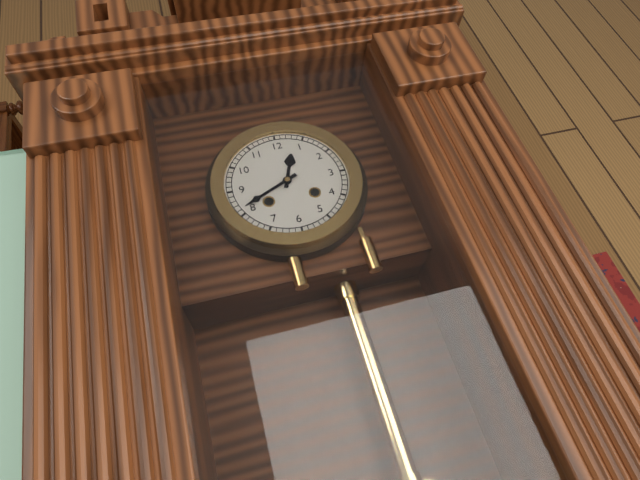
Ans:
h=12 m=41
